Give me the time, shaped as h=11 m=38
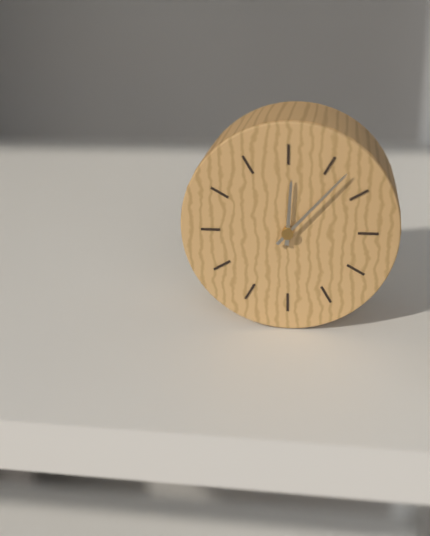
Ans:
h=12 m=7
